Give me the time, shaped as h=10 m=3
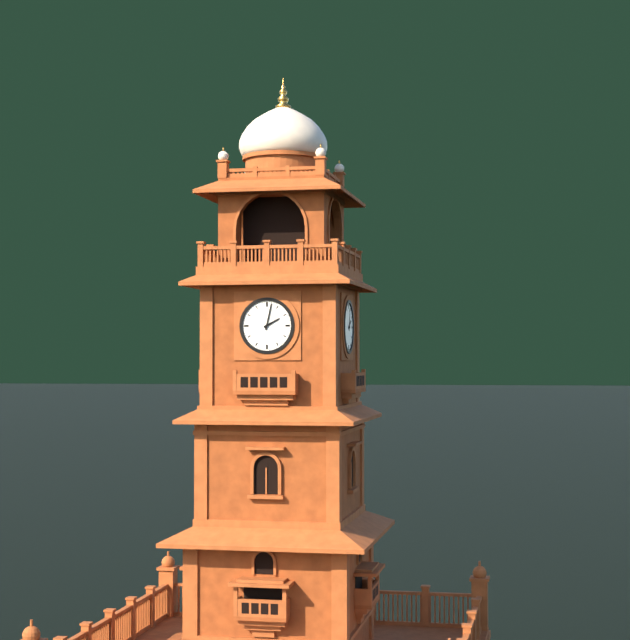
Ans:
h=2 m=2
